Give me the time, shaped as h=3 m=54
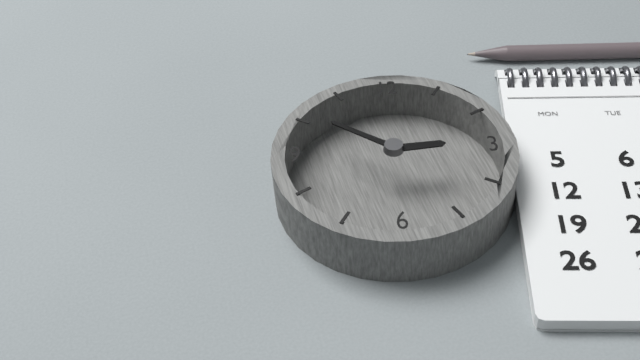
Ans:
h=2 m=51
